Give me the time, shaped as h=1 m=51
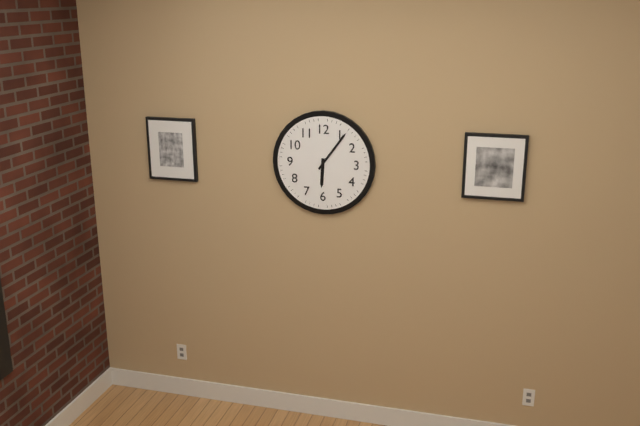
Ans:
h=6 m=6
